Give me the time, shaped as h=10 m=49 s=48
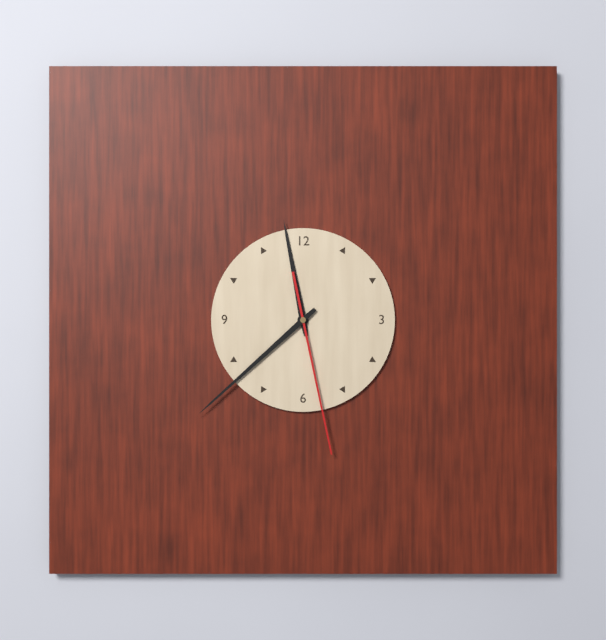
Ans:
h=11 m=38 s=28
